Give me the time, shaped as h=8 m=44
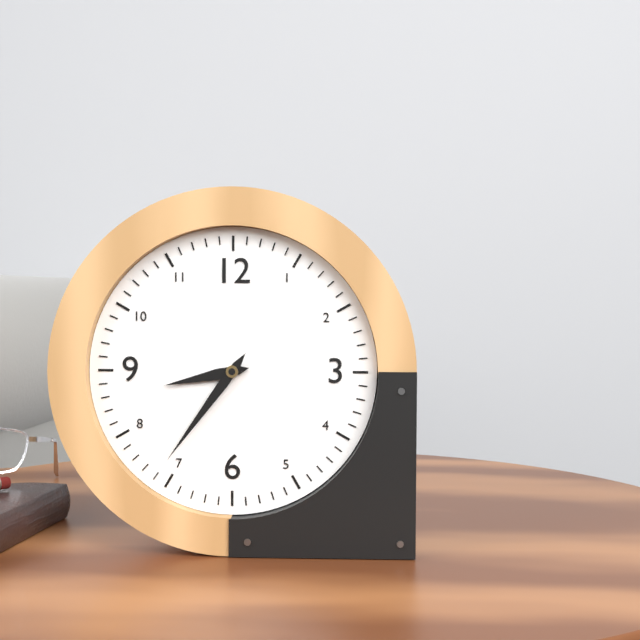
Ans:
h=8 m=36
